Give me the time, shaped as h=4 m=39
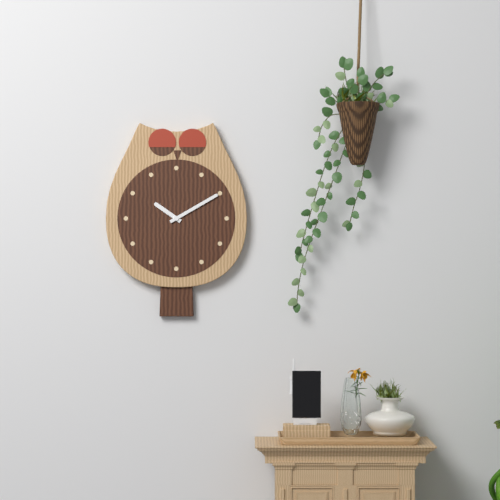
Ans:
h=10 m=10
